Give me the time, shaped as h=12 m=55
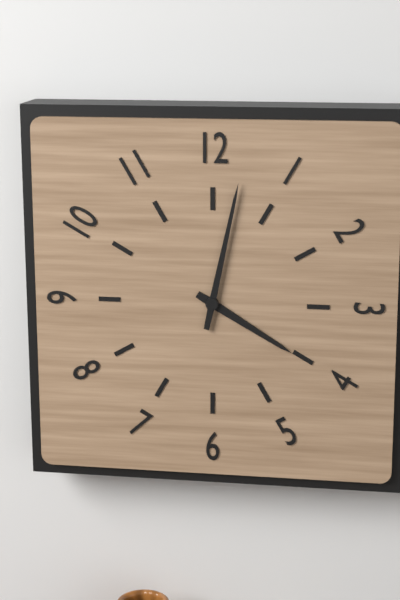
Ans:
h=4 m=2
